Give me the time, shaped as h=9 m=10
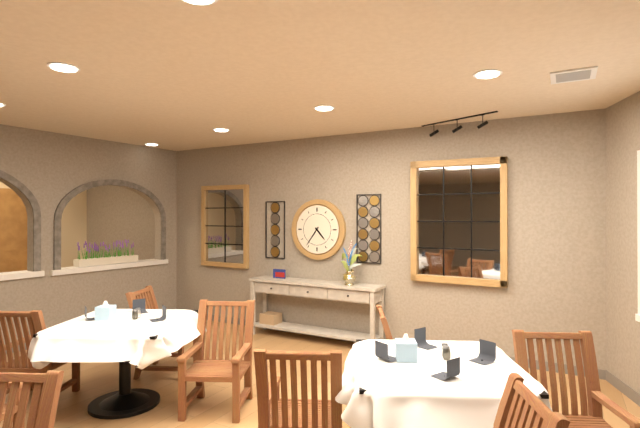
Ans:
h=4 m=36
